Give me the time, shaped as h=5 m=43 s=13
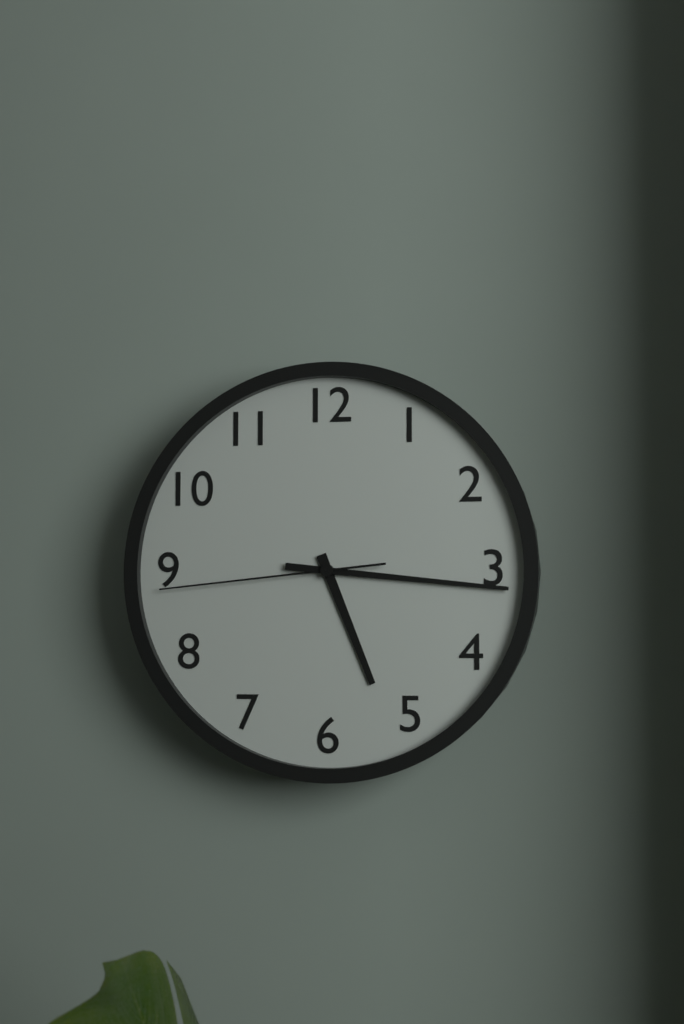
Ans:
h=5 m=16 s=44
